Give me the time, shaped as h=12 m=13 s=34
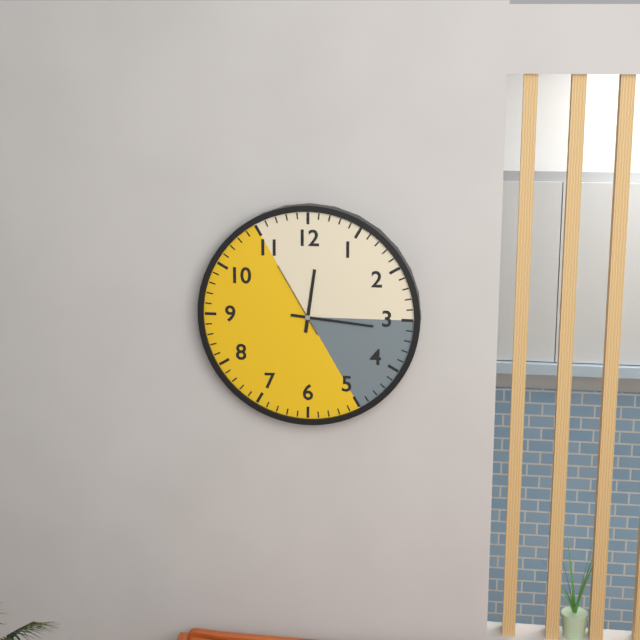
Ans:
h=12 m=16 s=55
